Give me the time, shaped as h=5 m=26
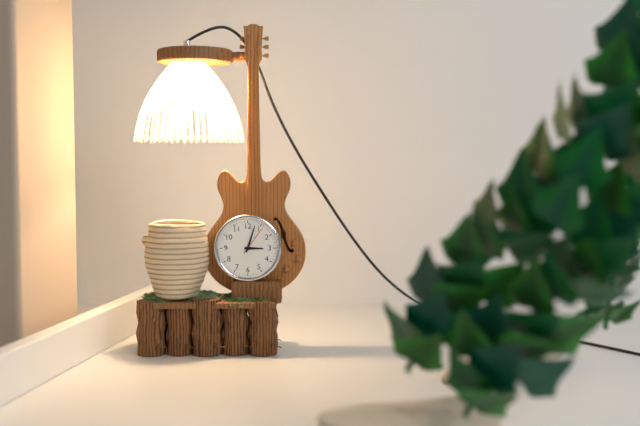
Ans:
h=3 m=3
